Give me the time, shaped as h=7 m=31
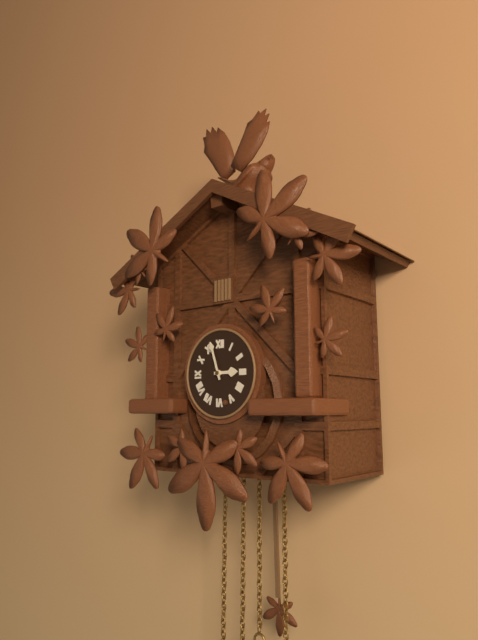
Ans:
h=2 m=57
